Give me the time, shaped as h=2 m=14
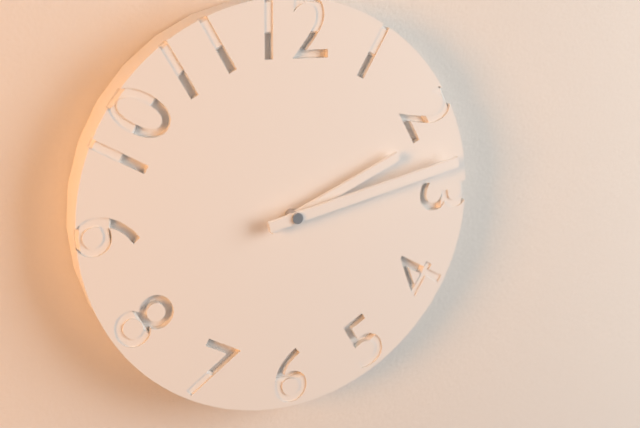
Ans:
h=2 m=13
